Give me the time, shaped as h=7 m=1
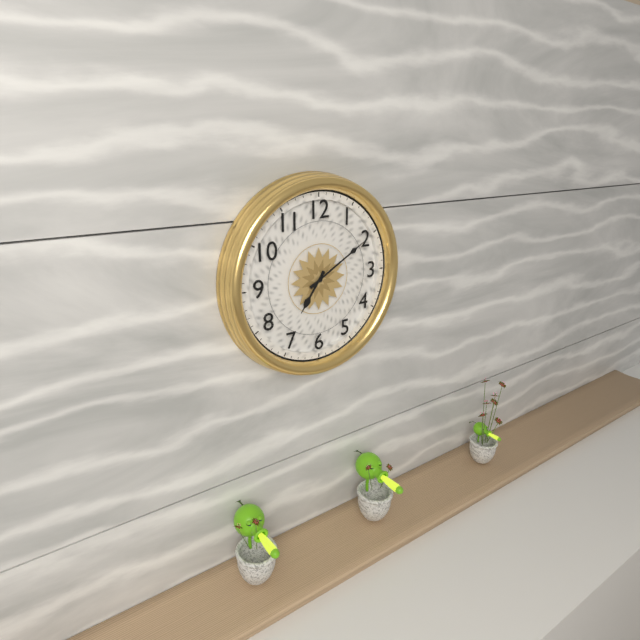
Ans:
h=7 m=10
